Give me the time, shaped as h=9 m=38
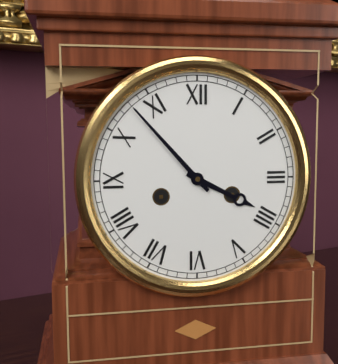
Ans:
h=3 m=53
